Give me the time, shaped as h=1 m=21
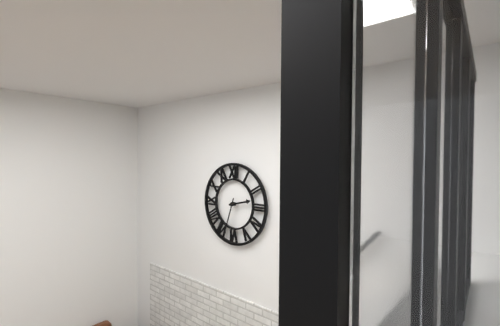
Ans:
h=2 m=33
